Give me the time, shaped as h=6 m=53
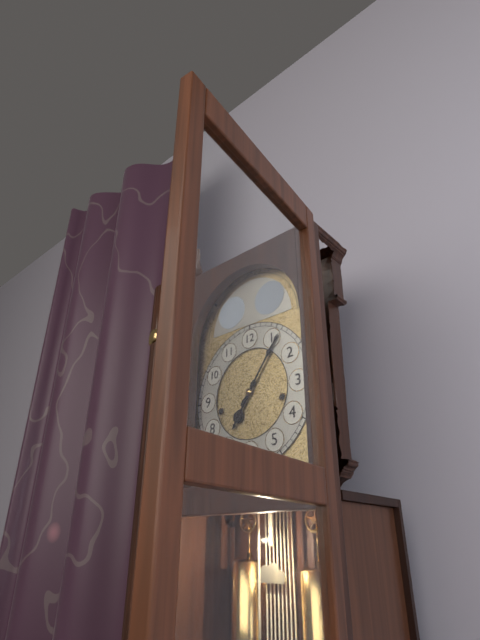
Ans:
h=7 m=6
